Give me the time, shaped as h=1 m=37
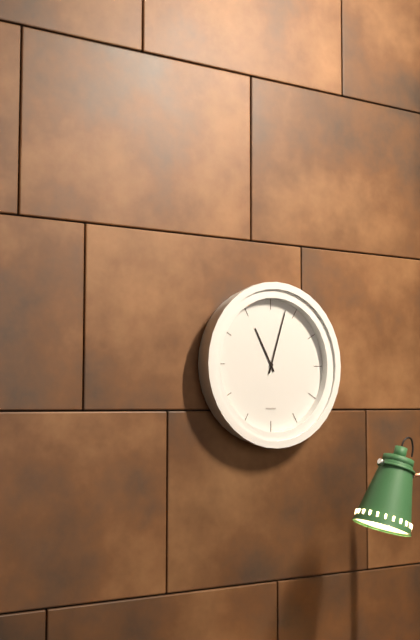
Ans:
h=11 m=3
